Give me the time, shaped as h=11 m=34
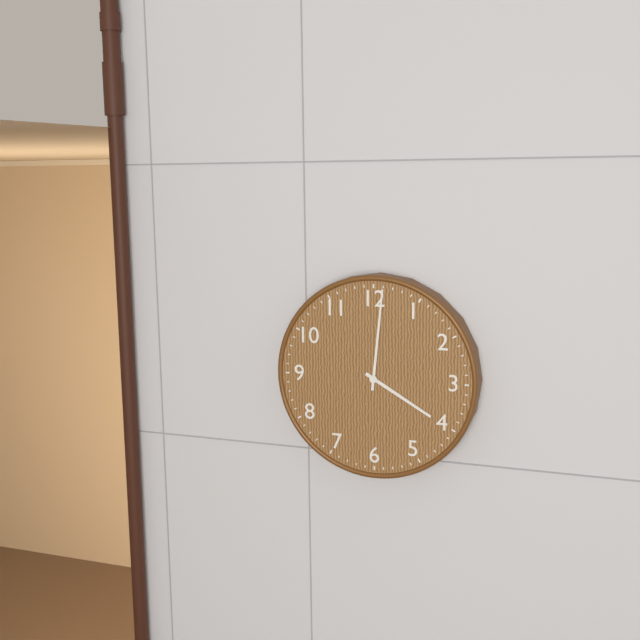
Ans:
h=4 m=1
